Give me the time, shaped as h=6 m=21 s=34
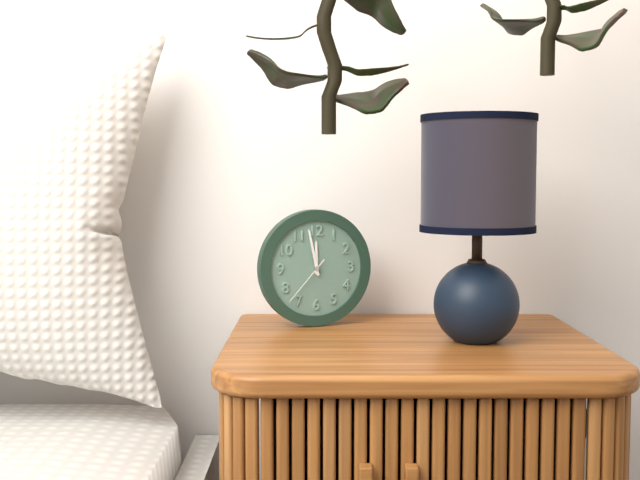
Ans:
h=11 m=58 s=37
